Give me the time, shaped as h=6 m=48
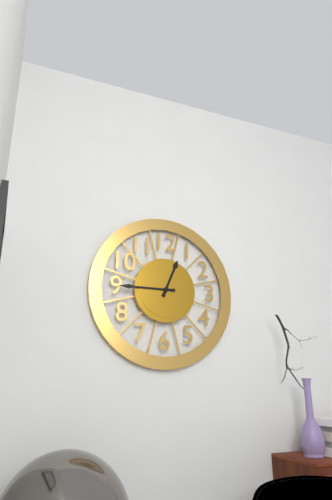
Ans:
h=12 m=45
